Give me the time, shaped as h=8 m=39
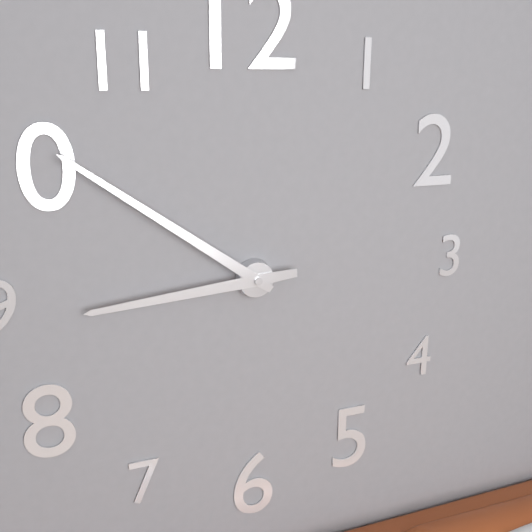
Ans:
h=8 m=51
